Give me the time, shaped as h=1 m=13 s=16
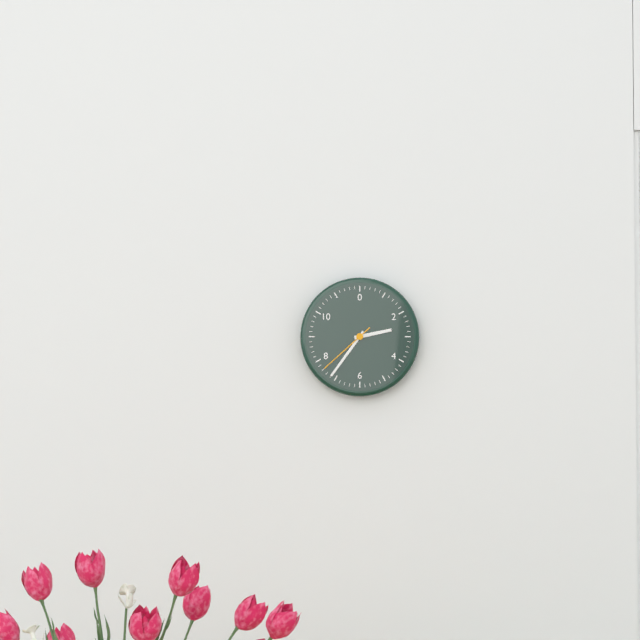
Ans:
h=2 m=36 s=38
